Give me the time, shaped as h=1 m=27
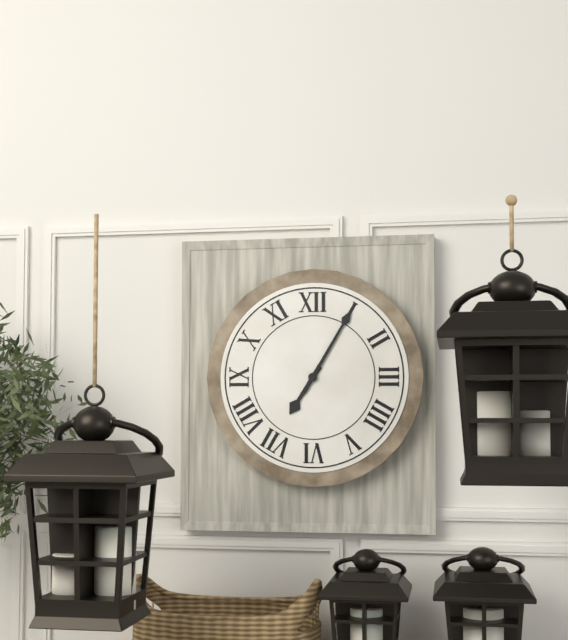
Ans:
h=7 m=5
